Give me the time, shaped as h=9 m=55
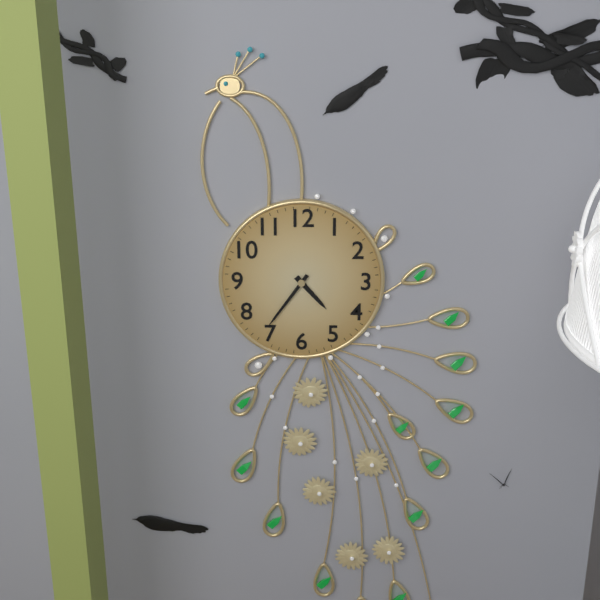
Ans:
h=4 m=36
